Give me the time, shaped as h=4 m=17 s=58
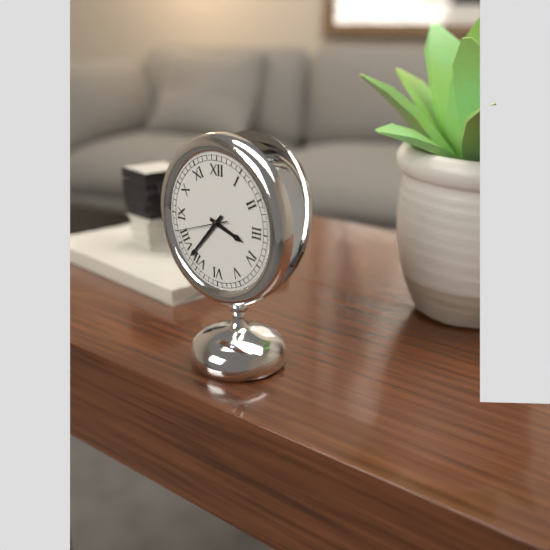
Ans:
h=3 m=37 s=42
